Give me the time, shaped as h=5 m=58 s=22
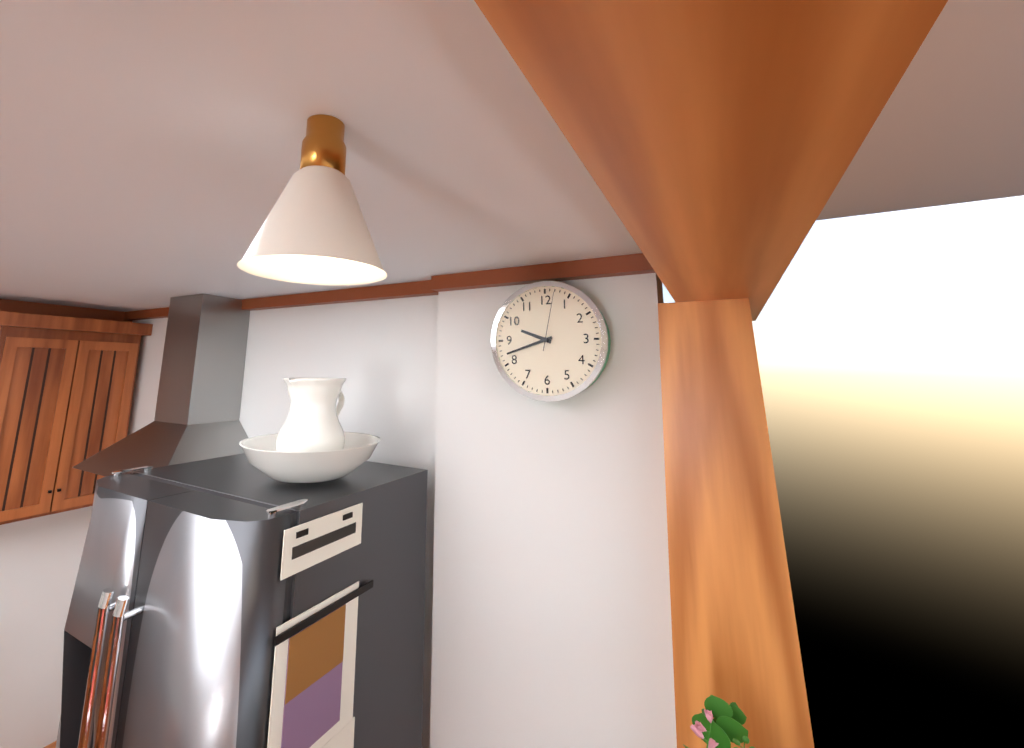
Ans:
h=9 m=42 s=2
